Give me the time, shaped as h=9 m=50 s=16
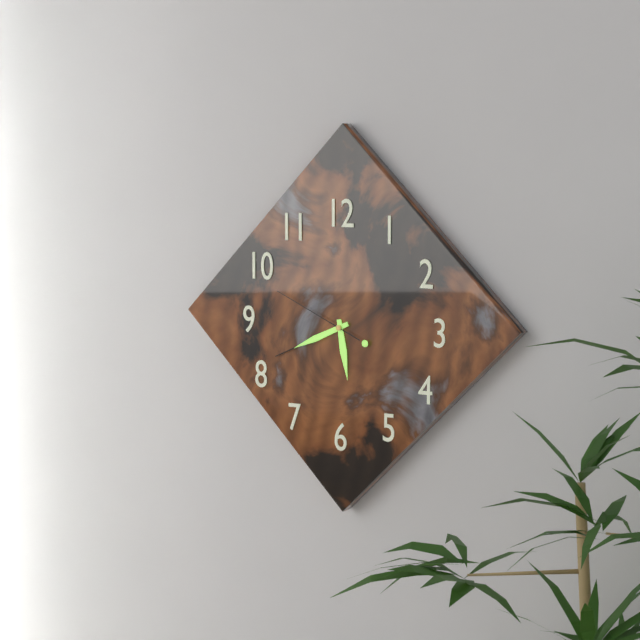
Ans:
h=5 m=41 s=49
